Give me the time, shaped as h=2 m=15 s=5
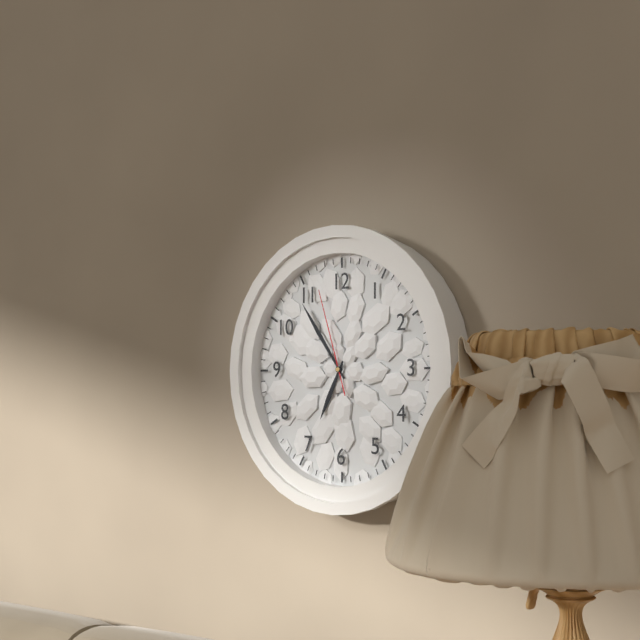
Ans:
h=6 m=54 s=57
